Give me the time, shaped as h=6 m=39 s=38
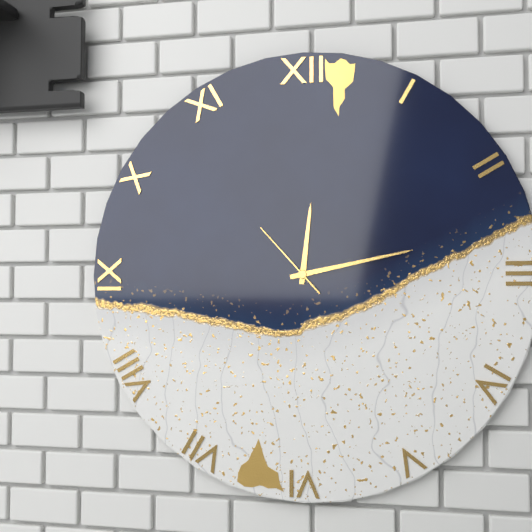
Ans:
h=12 m=13 s=53
